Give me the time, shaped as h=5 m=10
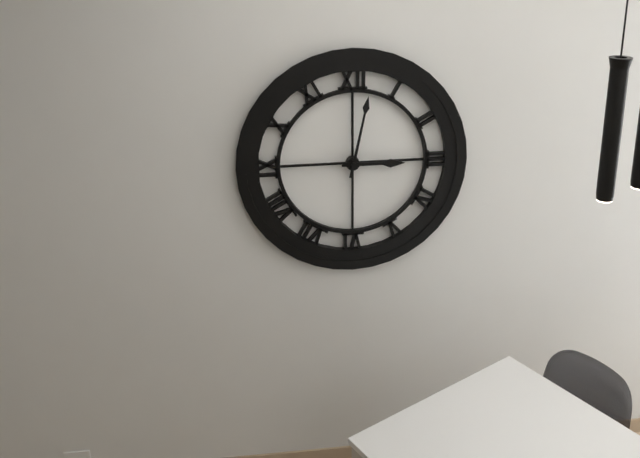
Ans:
h=3 m=2
